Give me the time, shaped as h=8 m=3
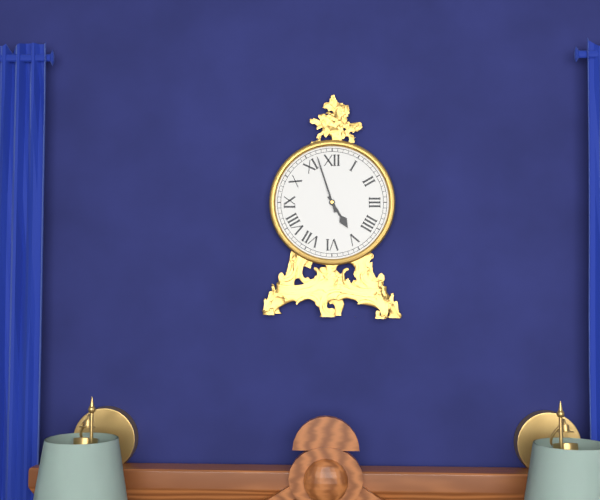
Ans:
h=4 m=57
